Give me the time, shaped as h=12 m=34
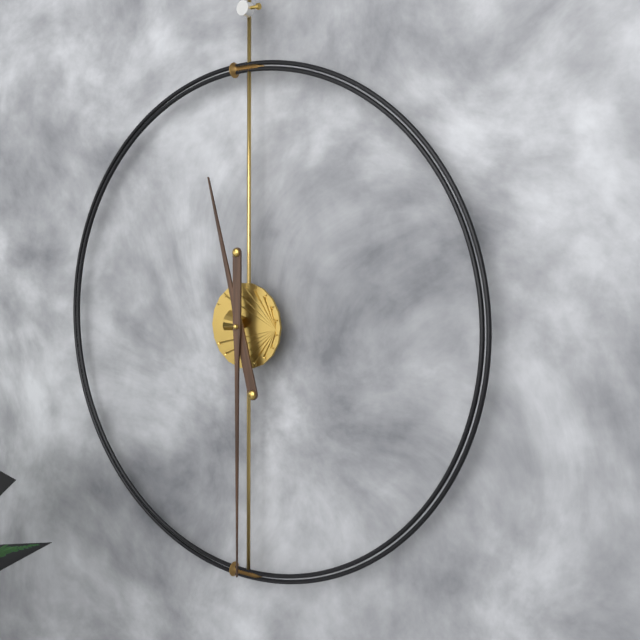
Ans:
h=11 m=30
